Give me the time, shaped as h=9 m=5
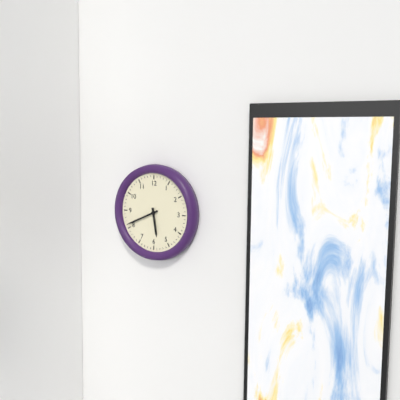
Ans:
h=5 m=41
